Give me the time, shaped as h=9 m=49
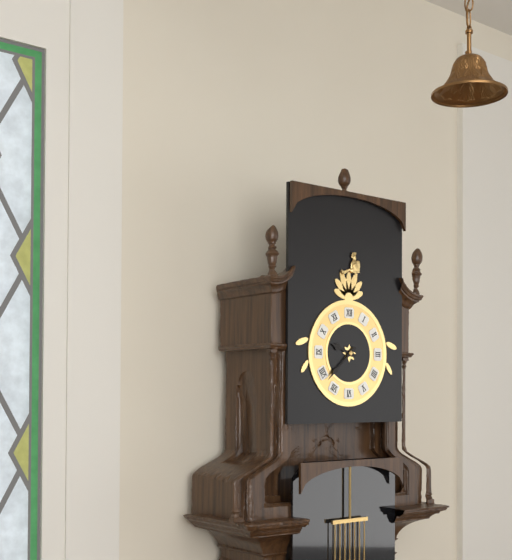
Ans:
h=9 m=38
